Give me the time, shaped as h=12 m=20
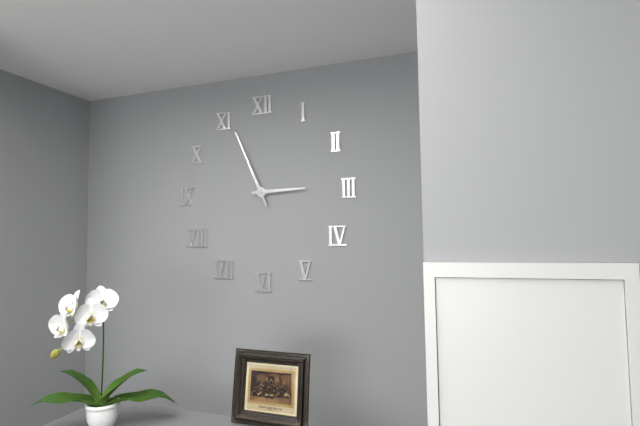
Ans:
h=2 m=56
